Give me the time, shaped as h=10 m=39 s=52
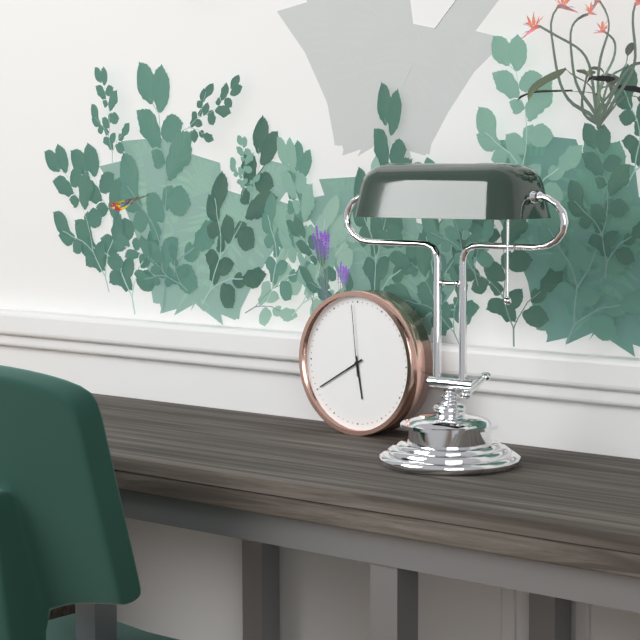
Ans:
h=5 m=40 s=59
